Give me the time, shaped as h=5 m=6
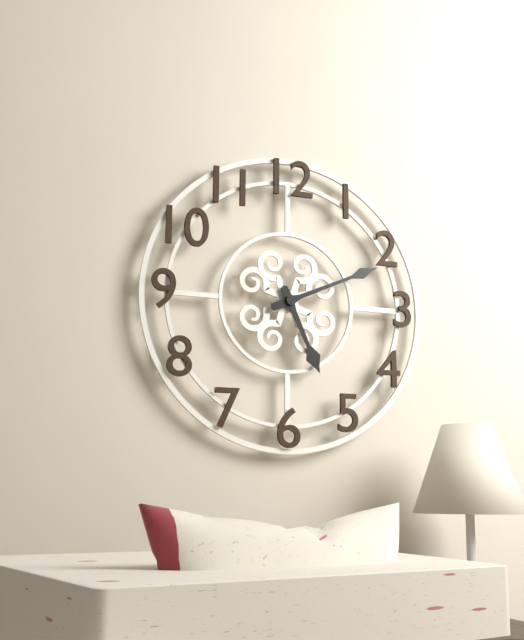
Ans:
h=5 m=11
